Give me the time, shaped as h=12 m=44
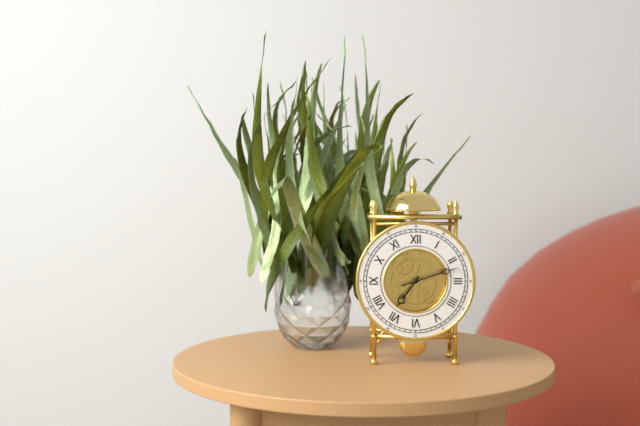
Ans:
h=7 m=12
